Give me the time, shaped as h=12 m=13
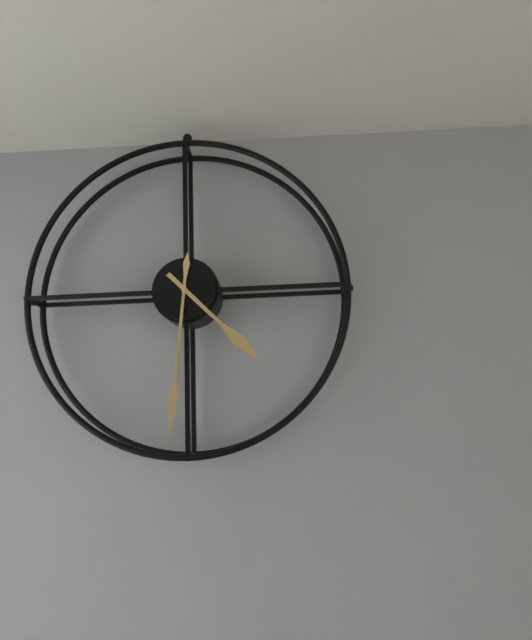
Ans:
h=4 m=31
